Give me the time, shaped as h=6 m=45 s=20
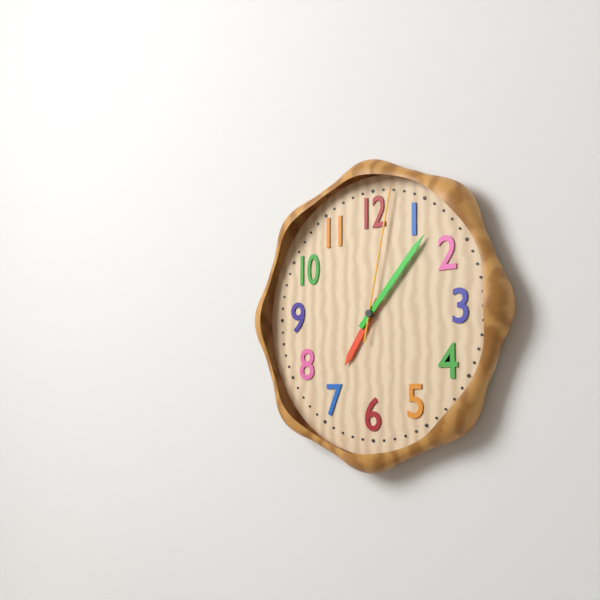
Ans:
h=7 m=7 s=2
